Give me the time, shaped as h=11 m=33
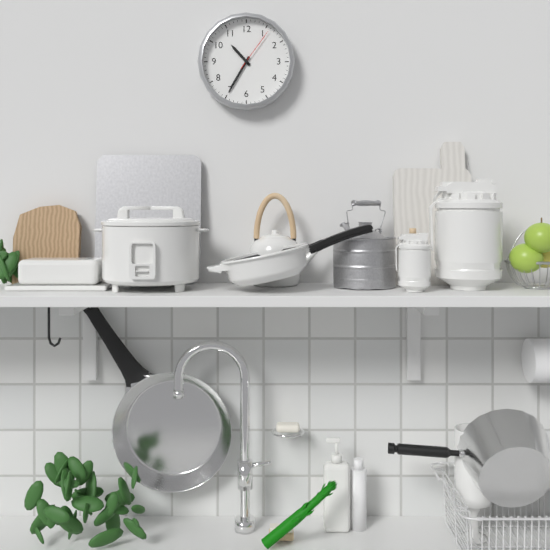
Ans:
h=10 m=35
